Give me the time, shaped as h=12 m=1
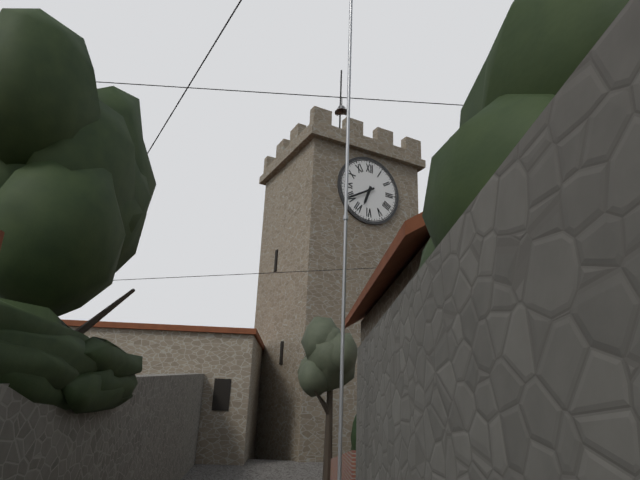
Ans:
h=6 m=40
